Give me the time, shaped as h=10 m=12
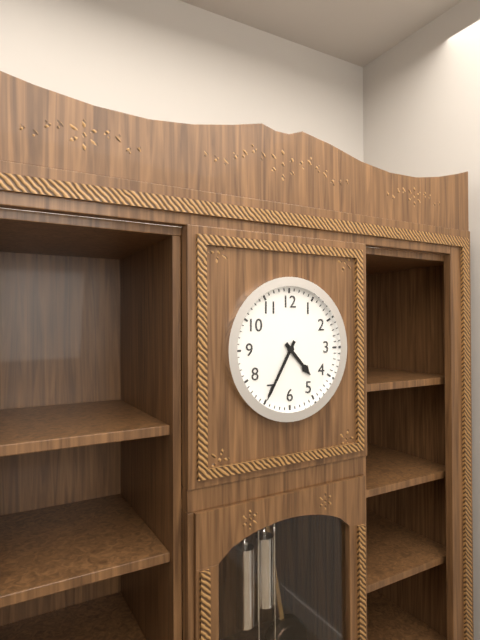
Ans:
h=4 m=35
